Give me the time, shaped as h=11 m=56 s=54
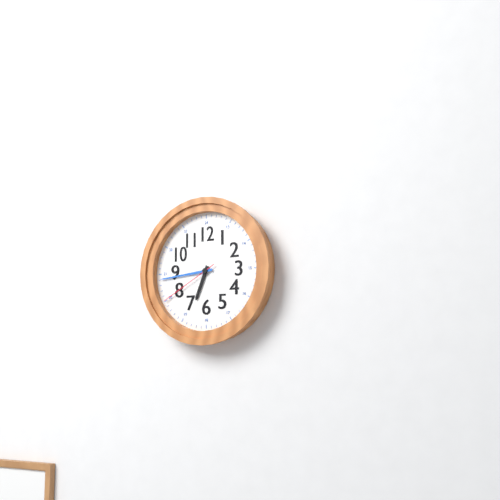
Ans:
h=6 m=44 s=40
